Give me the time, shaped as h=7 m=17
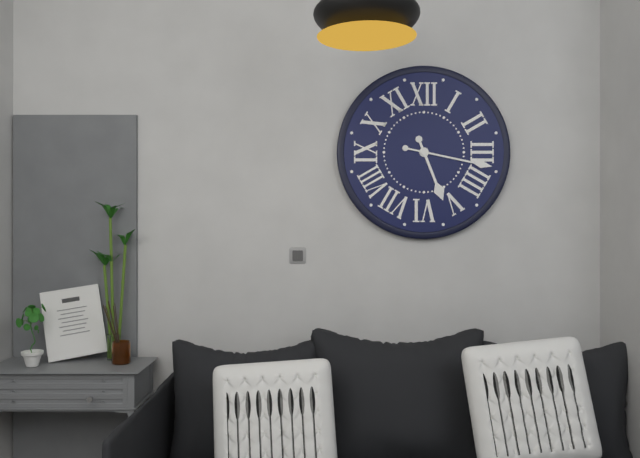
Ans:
h=5 m=17
